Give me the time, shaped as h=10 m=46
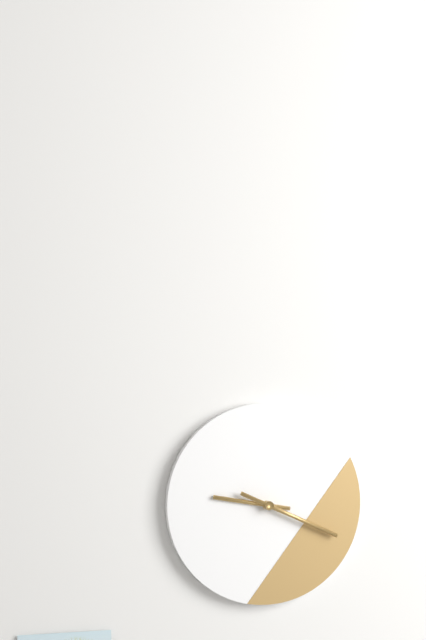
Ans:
h=9 m=19
